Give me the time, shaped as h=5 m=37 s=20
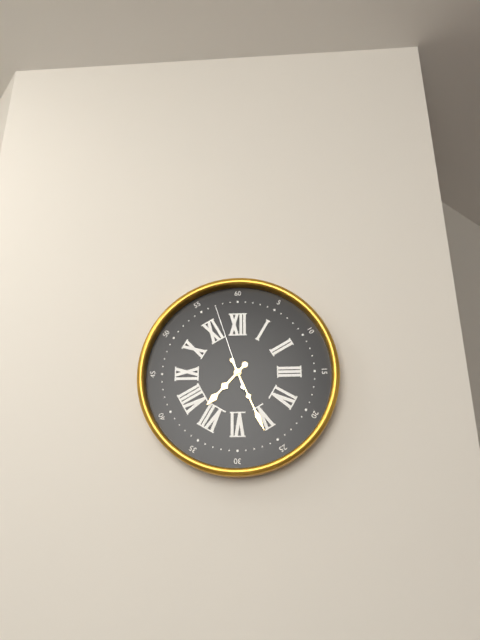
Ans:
h=7 m=26 s=57
